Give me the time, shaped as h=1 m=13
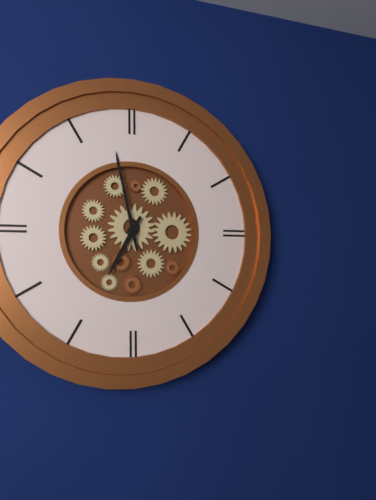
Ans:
h=6 m=58
